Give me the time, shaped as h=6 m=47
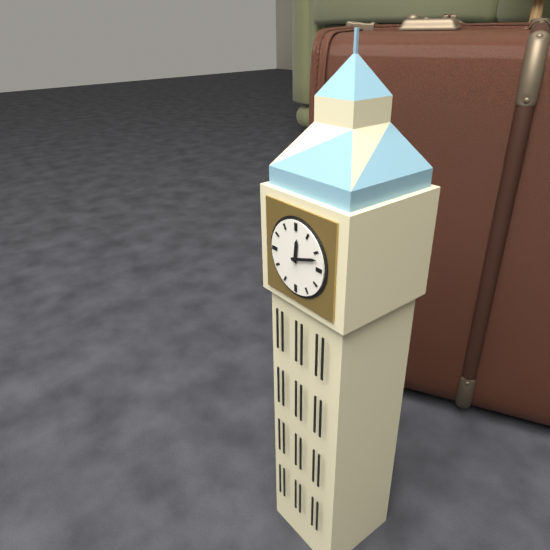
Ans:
h=12 m=12
